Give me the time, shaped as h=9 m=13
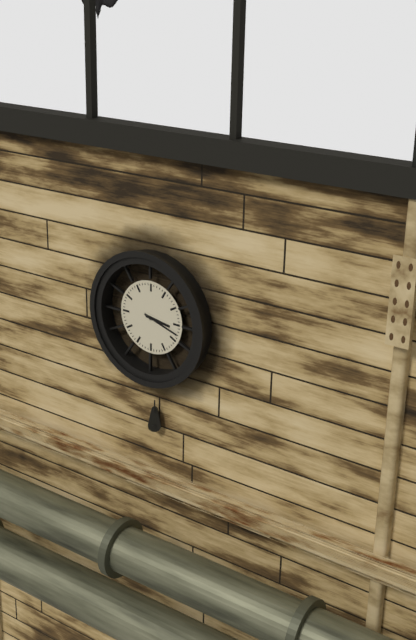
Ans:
h=3 m=18
